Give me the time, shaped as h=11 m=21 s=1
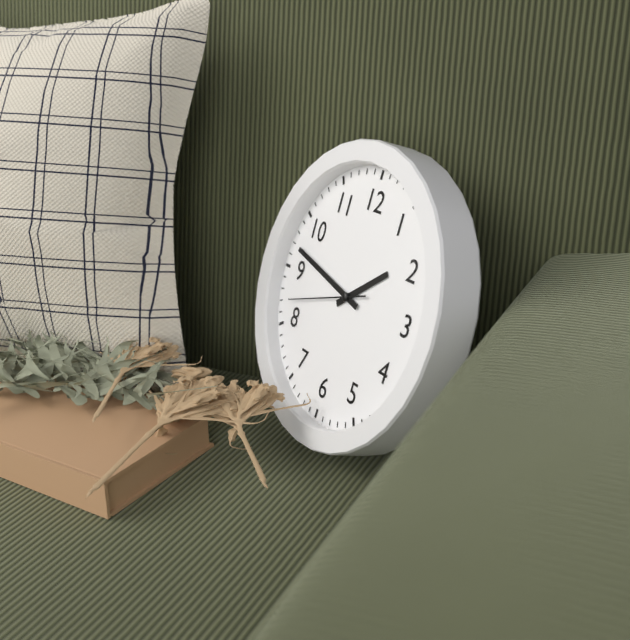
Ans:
h=1 m=47 s=42
